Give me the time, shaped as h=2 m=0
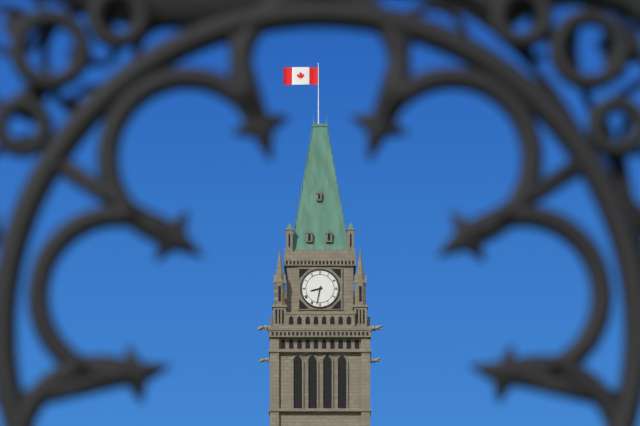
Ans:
h=8 m=32
